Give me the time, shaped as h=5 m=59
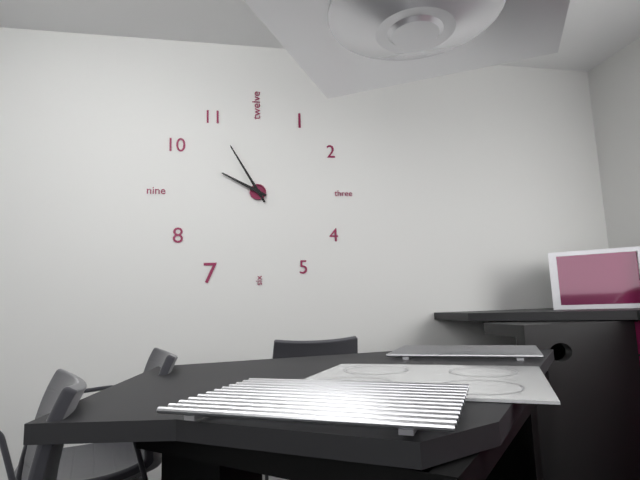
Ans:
h=9 m=55
